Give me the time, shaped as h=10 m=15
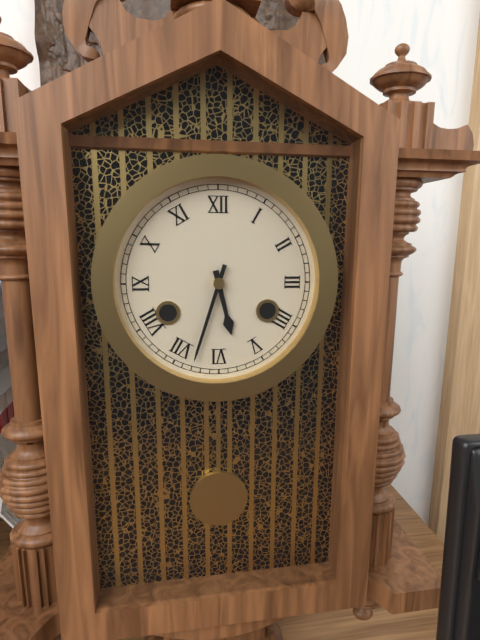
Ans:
h=5 m=33
